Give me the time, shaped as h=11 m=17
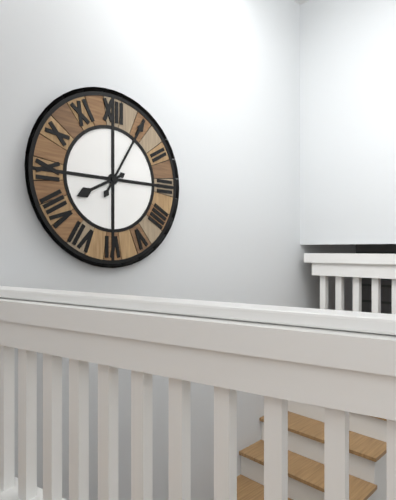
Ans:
h=8 m=5
